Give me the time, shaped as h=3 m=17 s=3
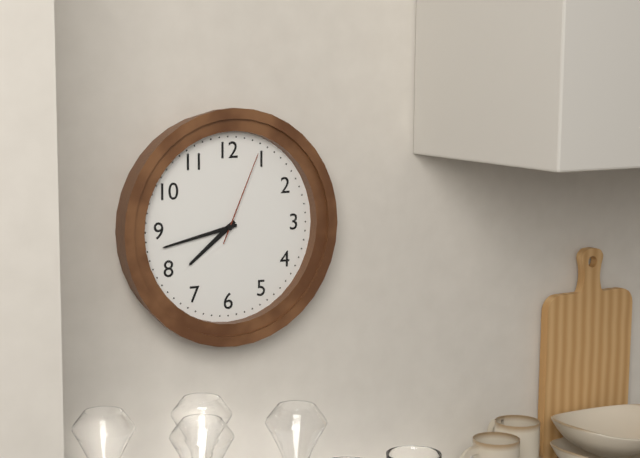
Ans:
h=7 m=43 s=4
